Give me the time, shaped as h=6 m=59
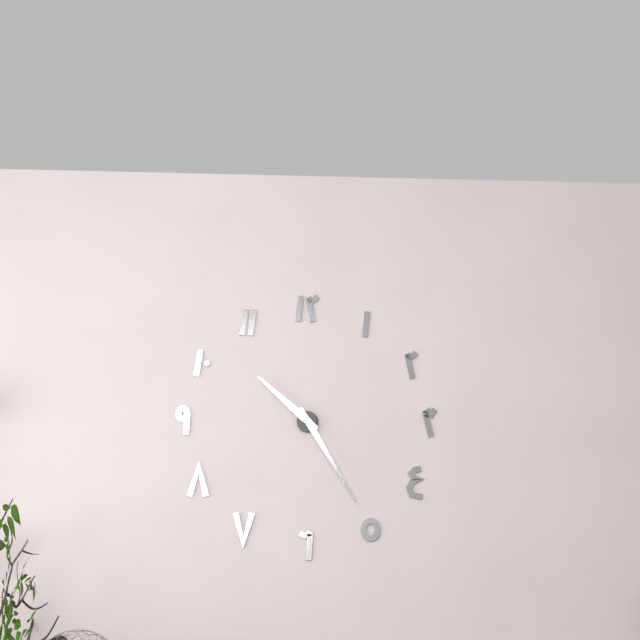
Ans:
h=10 m=25
